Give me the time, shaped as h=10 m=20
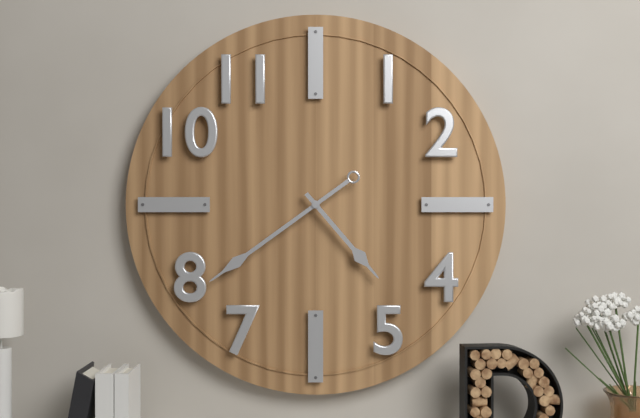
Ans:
h=4 m=39
